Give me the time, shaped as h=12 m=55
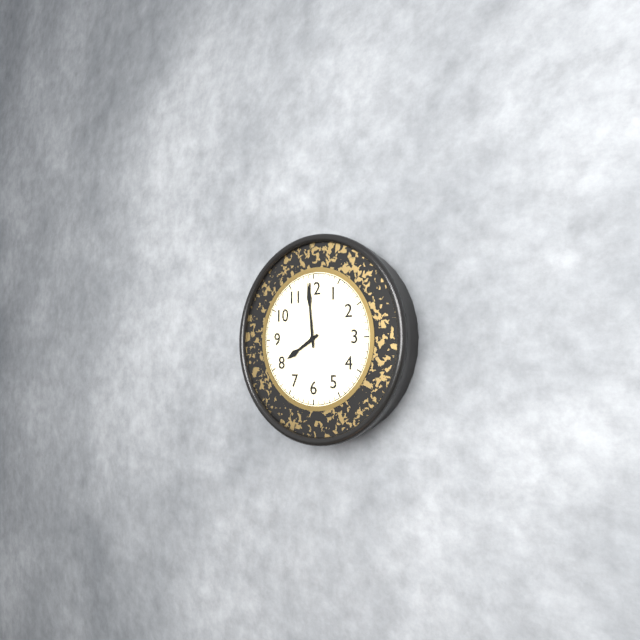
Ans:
h=7 m=59
